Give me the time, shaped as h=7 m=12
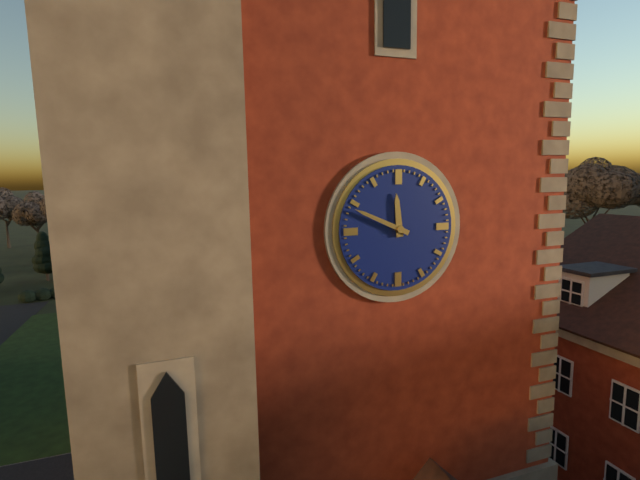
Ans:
h=11 m=49
